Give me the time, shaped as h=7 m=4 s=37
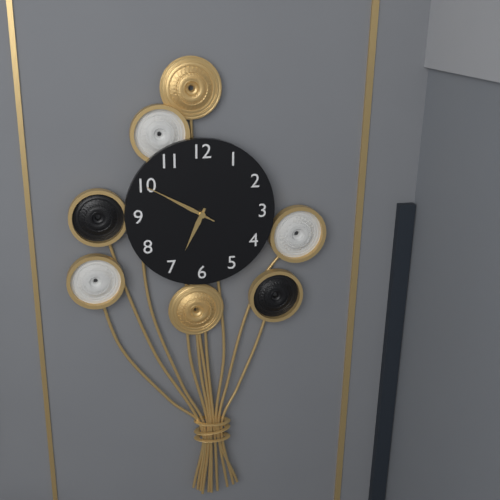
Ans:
h=6 m=50 s=50
